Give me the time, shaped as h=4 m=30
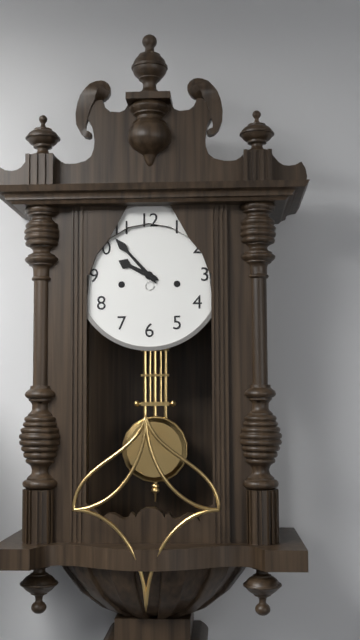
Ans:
h=9 m=53
